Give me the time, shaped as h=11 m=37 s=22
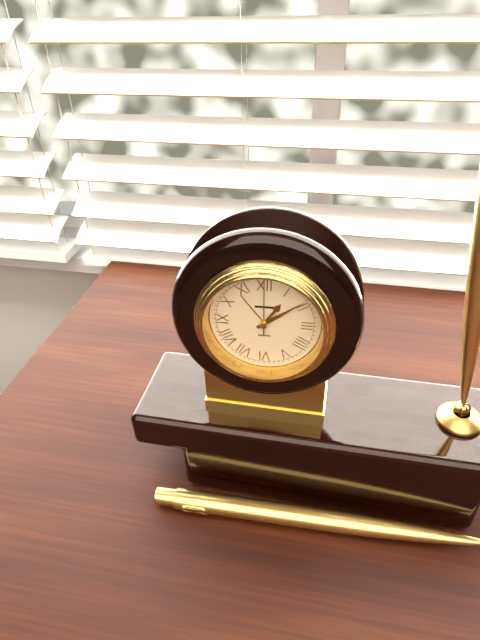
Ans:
h=1 m=9 s=0
